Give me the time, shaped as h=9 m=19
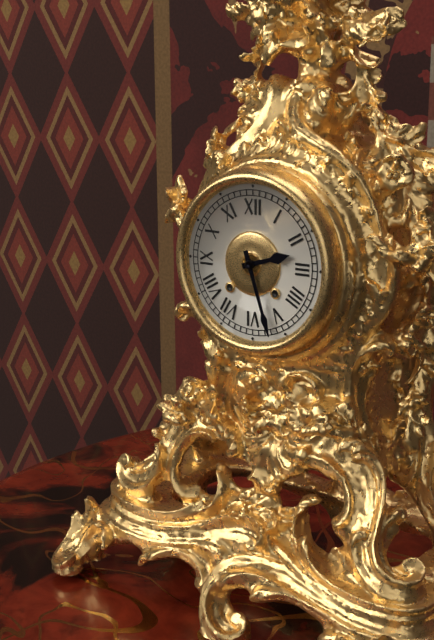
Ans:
h=2 m=27
